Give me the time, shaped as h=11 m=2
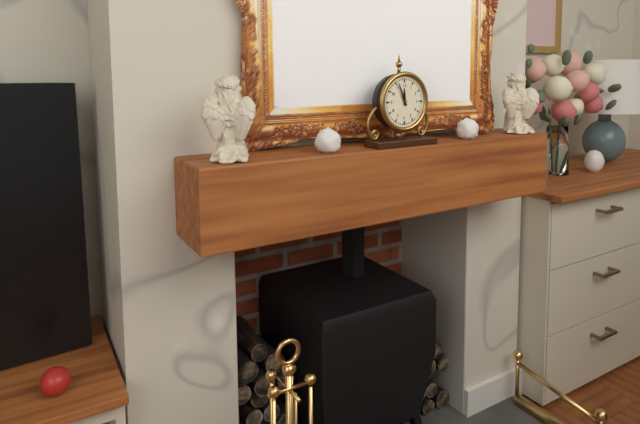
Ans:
h=11 m=56
